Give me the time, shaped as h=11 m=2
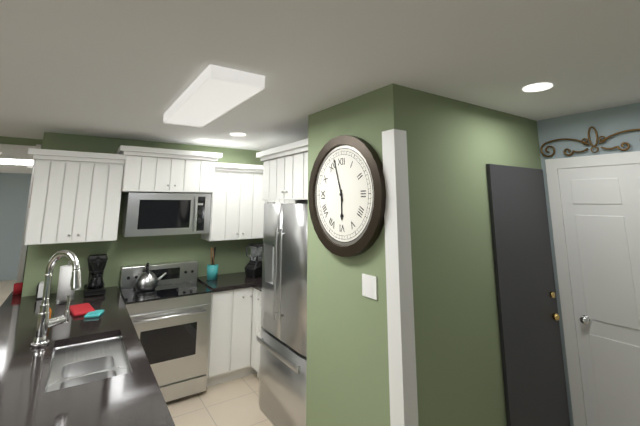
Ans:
h=5 m=57
